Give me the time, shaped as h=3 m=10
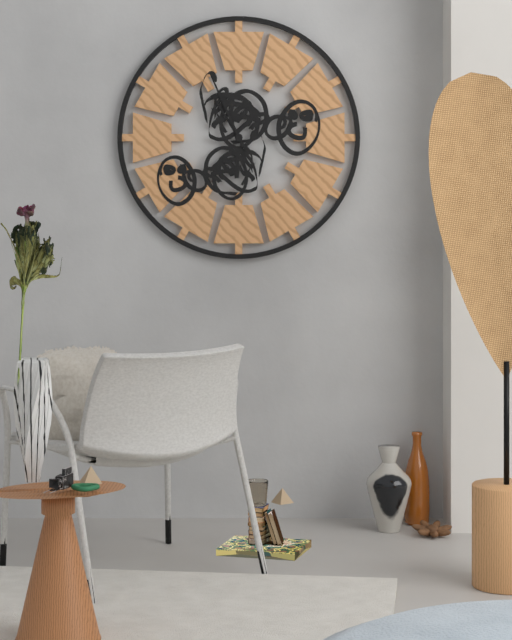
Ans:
h=10 m=56
